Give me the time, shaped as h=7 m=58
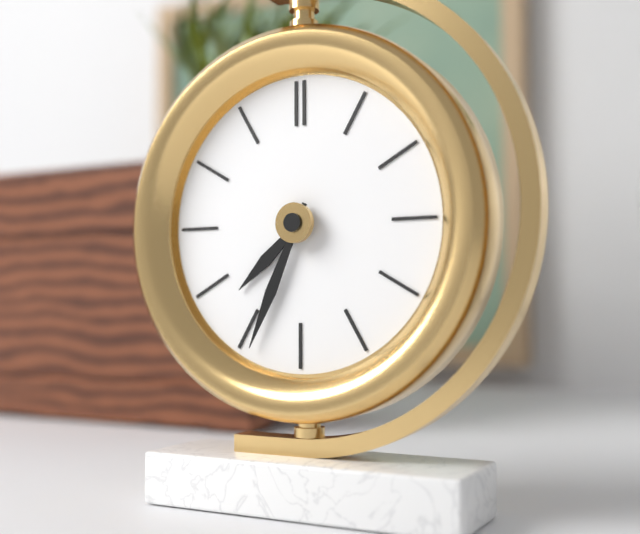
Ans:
h=7 m=34
